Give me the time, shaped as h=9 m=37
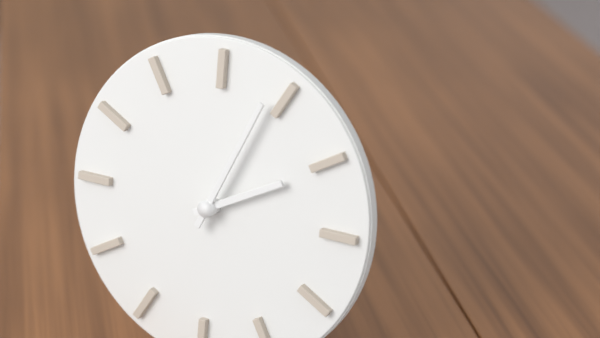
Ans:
h=2 m=4
